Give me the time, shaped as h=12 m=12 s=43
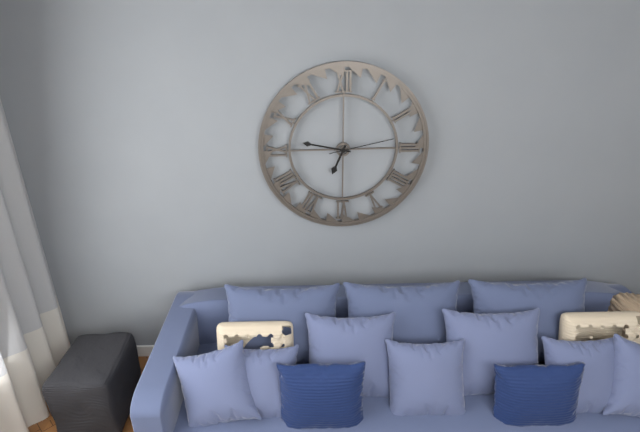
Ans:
h=6 m=47 s=13
